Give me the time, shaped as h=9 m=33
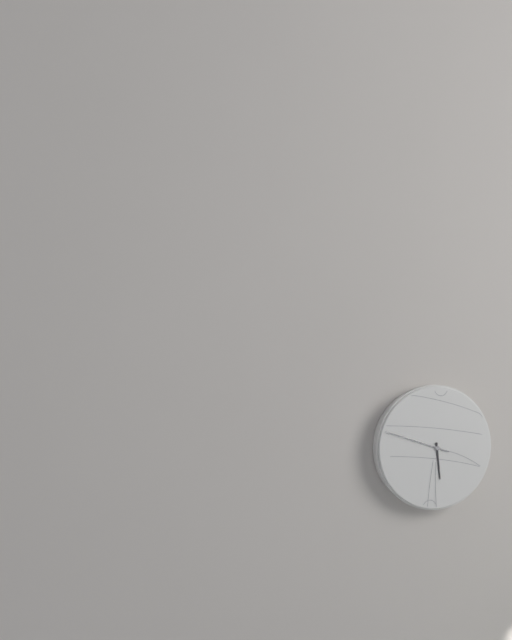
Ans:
h=5 m=48
